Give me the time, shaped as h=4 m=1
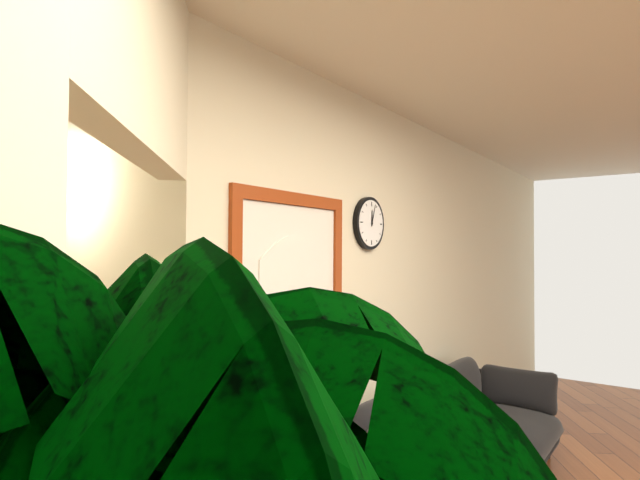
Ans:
h=12 m=3
